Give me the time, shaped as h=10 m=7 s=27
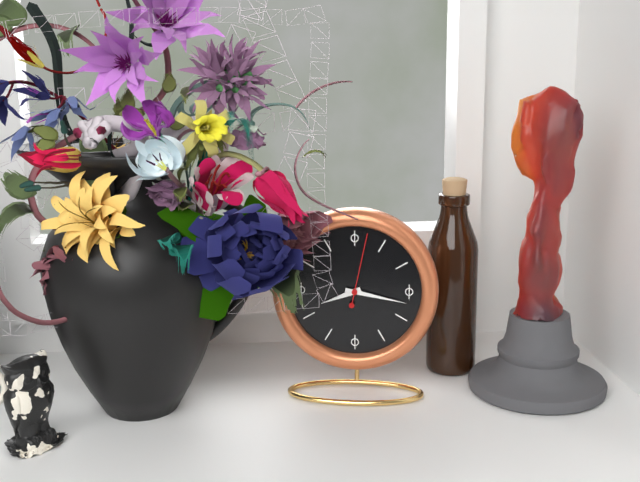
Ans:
h=8 m=17 s=2
